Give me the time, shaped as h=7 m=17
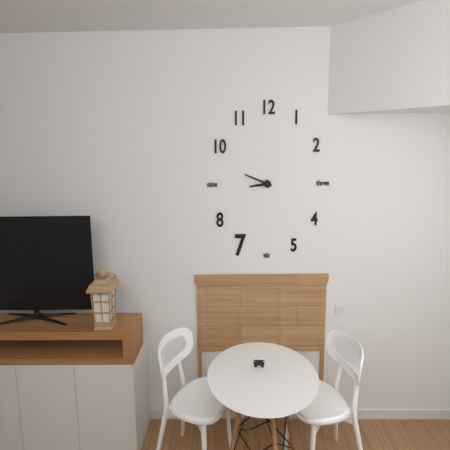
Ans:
h=8 m=48
